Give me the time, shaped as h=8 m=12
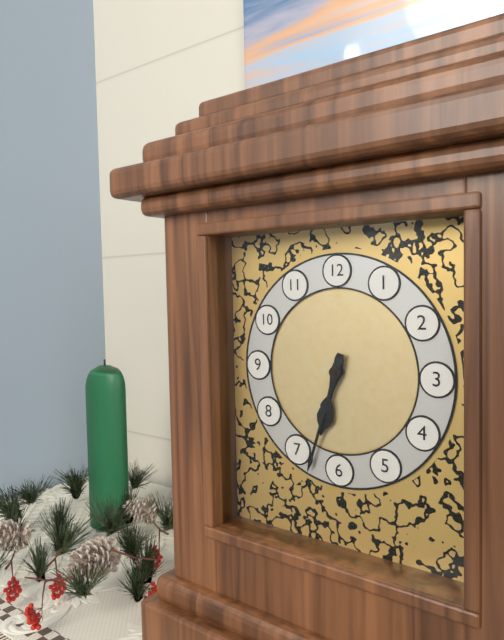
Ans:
h=6 m=33
